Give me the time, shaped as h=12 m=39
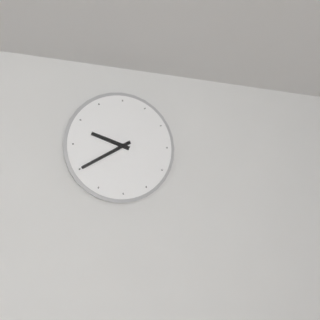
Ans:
h=9 m=40
